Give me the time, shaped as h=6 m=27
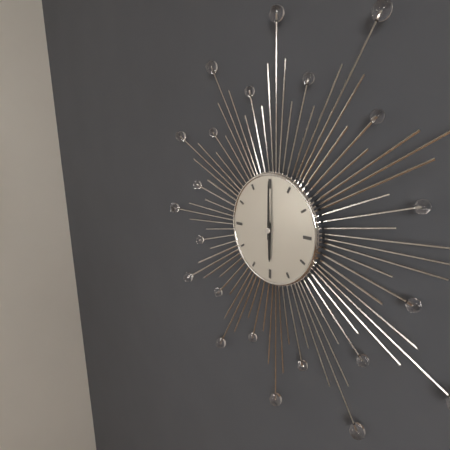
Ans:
h=6 m=0
